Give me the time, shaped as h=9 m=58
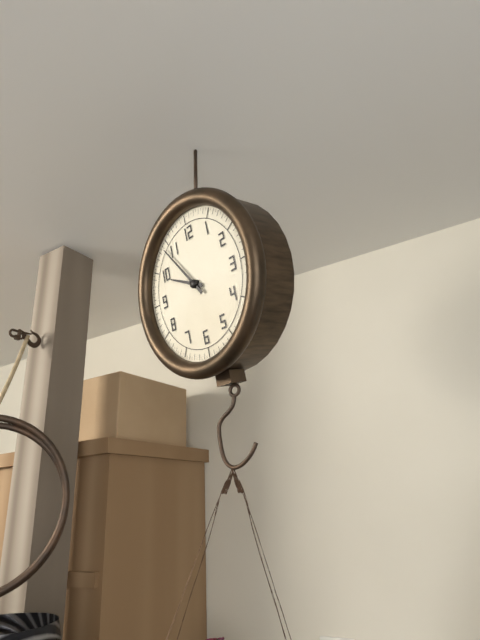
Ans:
h=9 m=54
